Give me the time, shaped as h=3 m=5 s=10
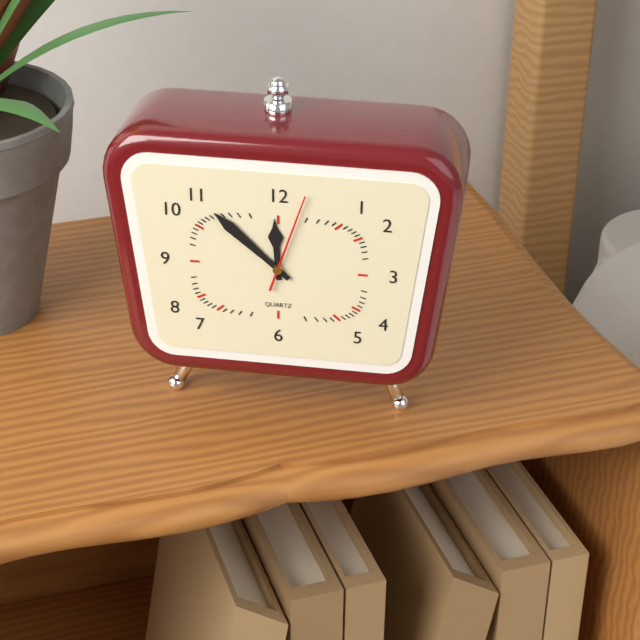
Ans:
h=11 m=52 s=3
